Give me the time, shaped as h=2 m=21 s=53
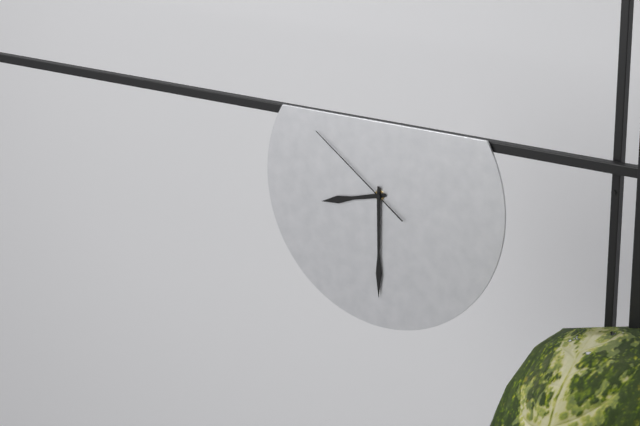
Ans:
h=8 m=30 s=51
